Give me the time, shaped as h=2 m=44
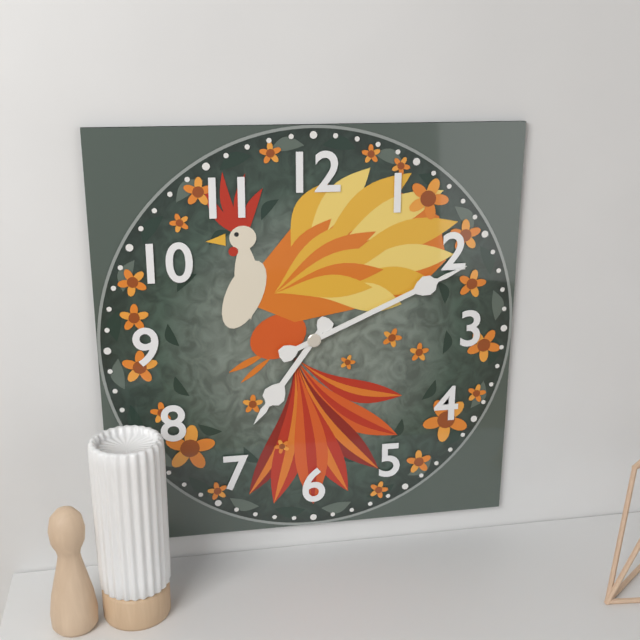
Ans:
h=7 m=11
